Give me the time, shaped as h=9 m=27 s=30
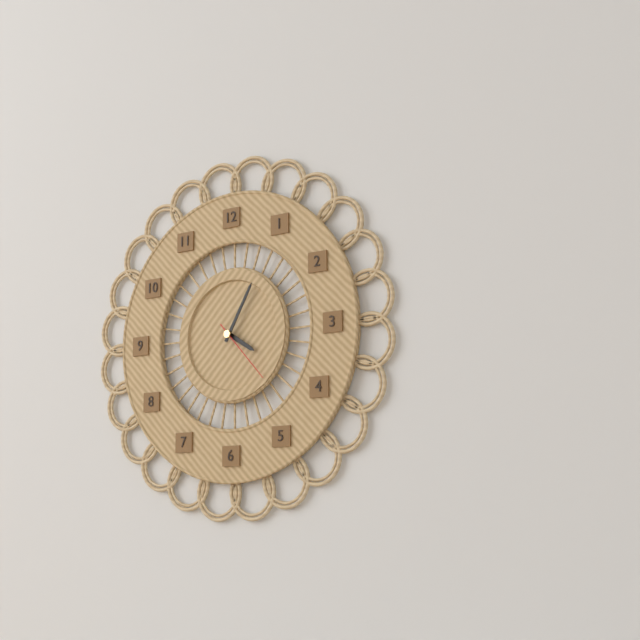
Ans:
h=4 m=5 s=23
